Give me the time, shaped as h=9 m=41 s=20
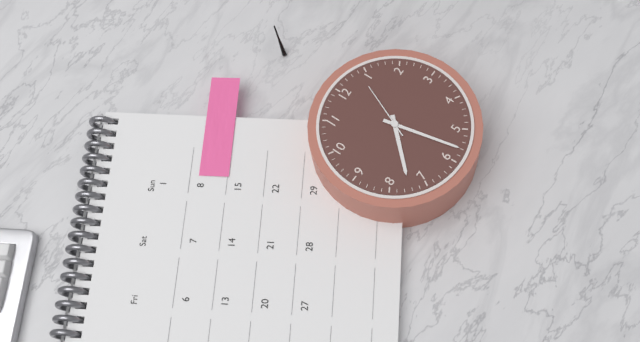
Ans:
h=7 m=28 s=4
